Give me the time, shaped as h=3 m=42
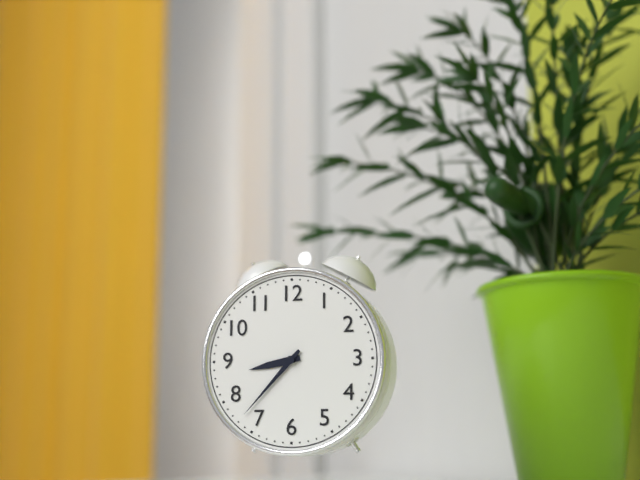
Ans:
h=8 m=37
